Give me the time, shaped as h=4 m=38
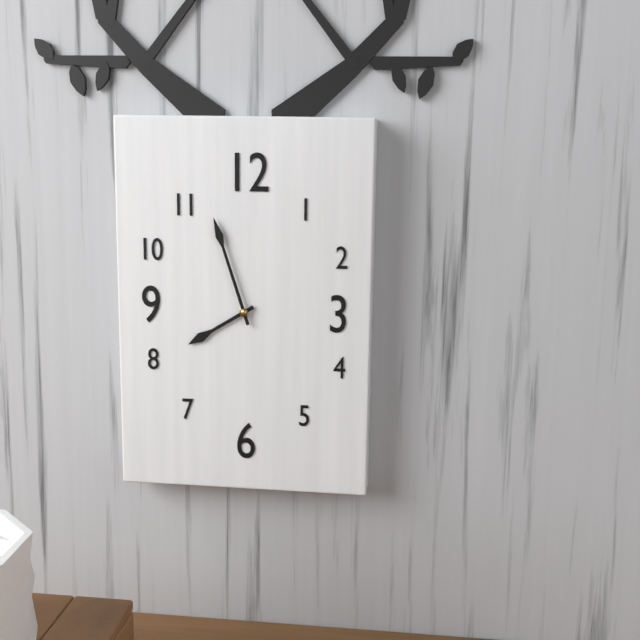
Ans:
h=7 m=57
